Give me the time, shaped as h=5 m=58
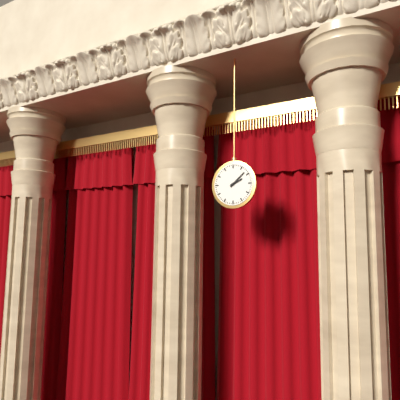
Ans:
h=2 m=8
